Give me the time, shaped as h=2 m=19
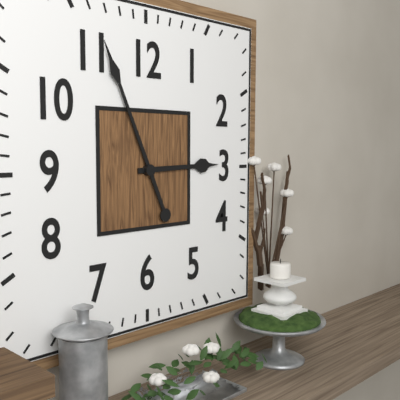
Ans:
h=2 m=56
